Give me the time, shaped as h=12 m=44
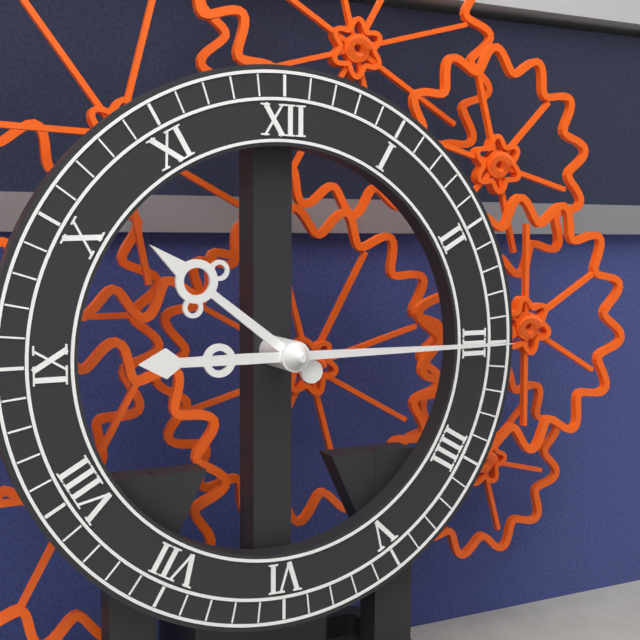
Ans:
h=10 m=15
